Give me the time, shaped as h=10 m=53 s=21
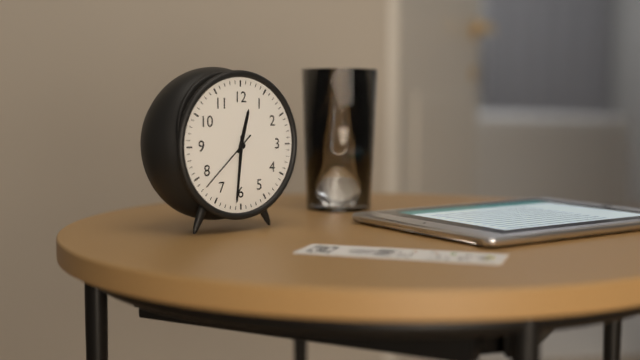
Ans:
h=12 m=31 s=38
